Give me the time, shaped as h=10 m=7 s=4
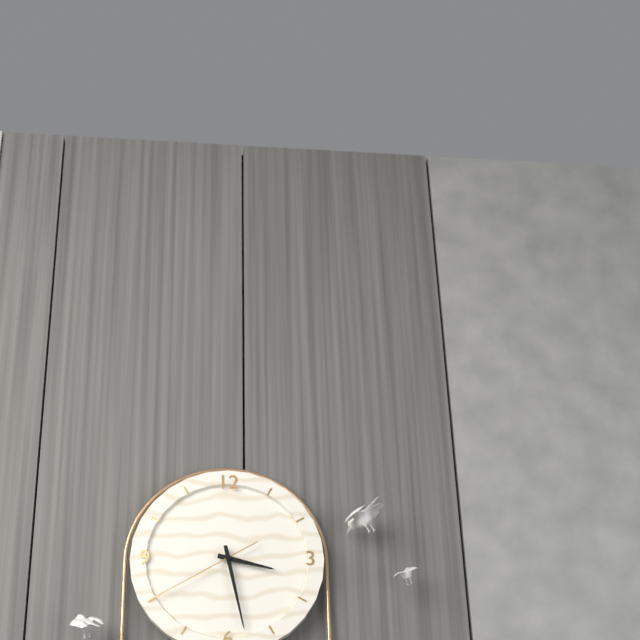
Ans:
h=3 m=28 s=40
